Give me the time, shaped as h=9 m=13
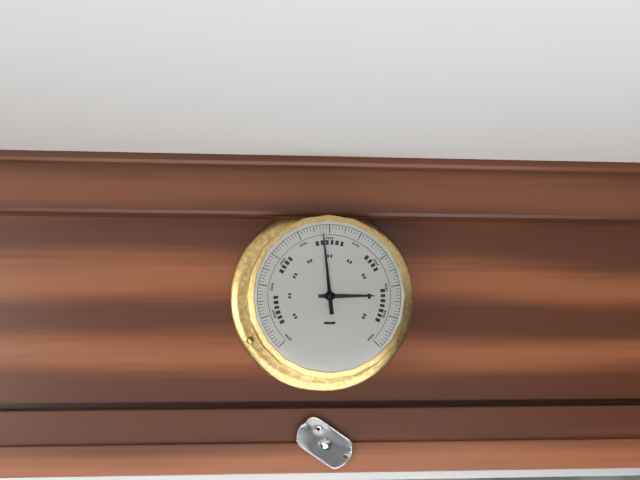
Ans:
h=2 m=59
